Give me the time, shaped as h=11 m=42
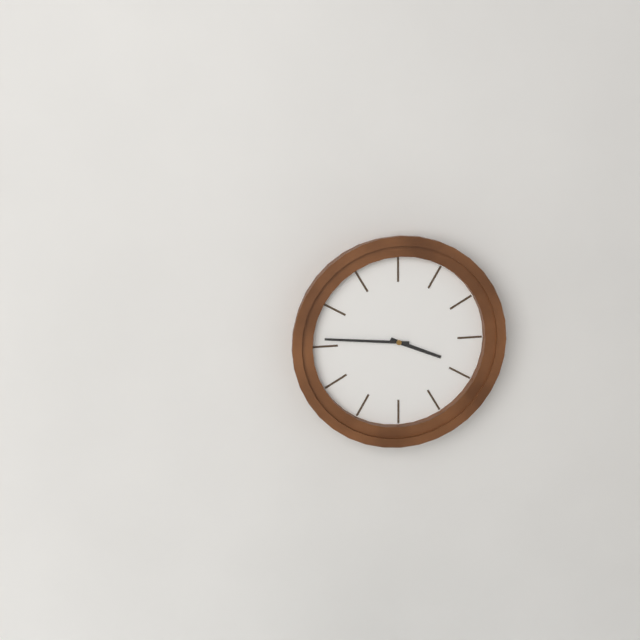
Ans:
h=3 m=46
